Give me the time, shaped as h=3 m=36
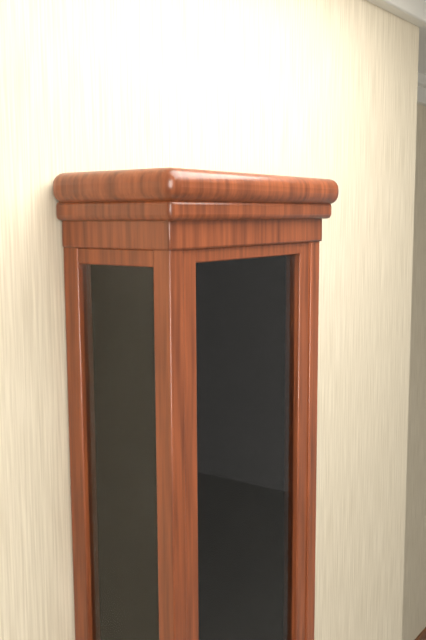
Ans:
h=11 m=52
